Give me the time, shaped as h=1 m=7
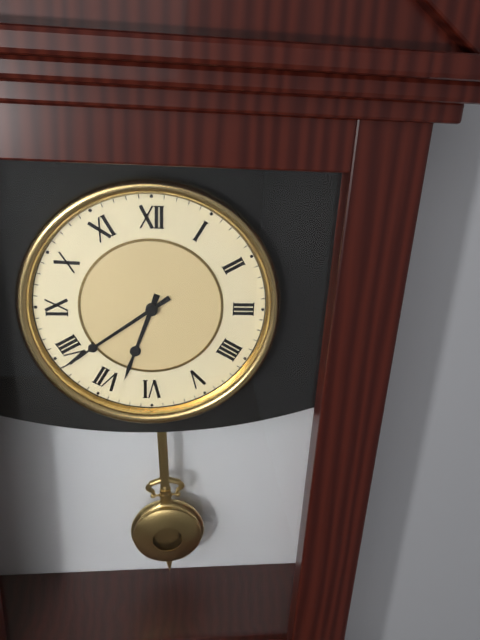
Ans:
h=6 m=39
